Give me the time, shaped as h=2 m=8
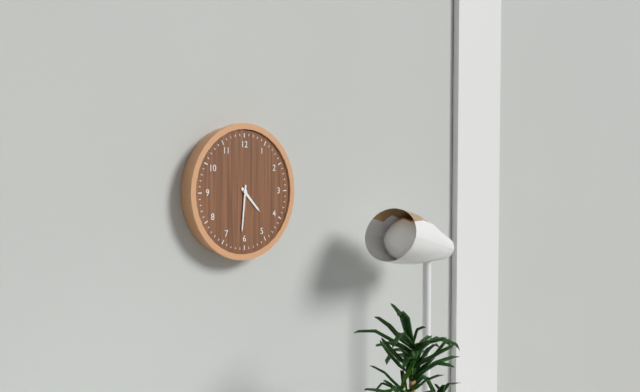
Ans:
h=4 m=31
